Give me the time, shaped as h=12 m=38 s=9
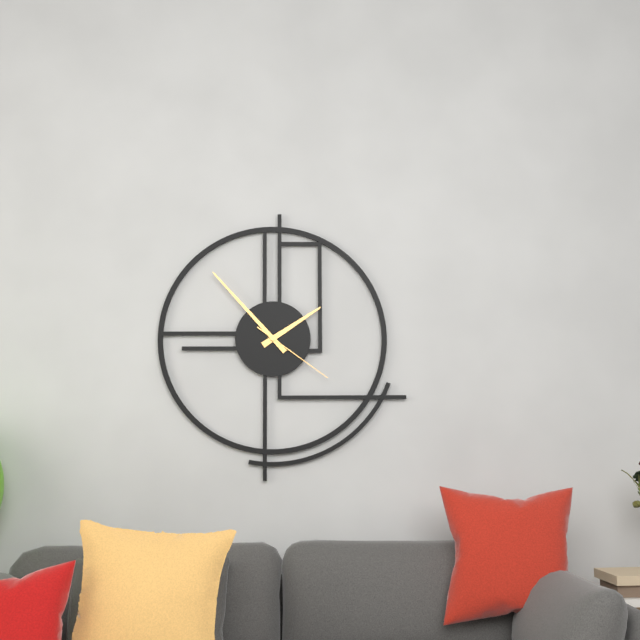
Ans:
h=1 m=53 s=21
